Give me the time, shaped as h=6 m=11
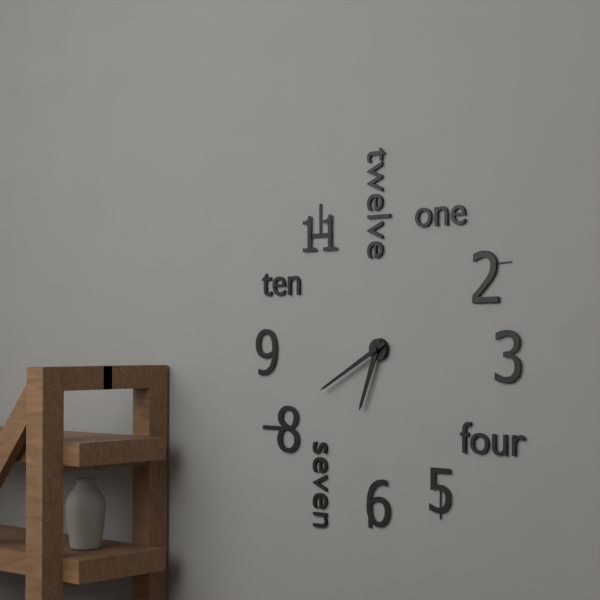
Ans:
h=6 m=40
